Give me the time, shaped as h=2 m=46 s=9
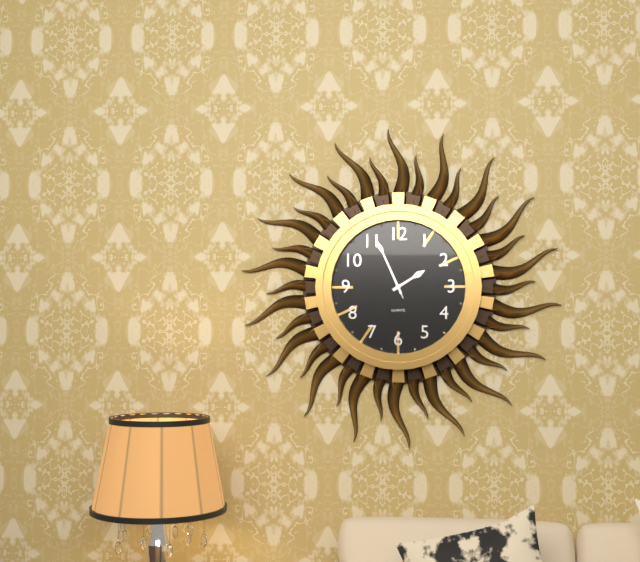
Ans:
h=1 m=56 s=56
